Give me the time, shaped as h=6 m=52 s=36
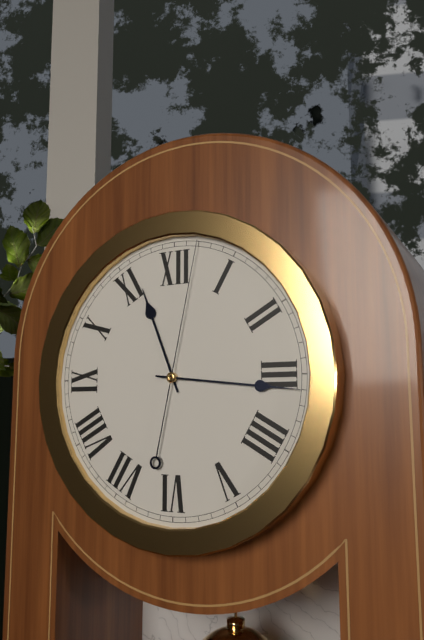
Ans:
h=11 m=16 s=2
